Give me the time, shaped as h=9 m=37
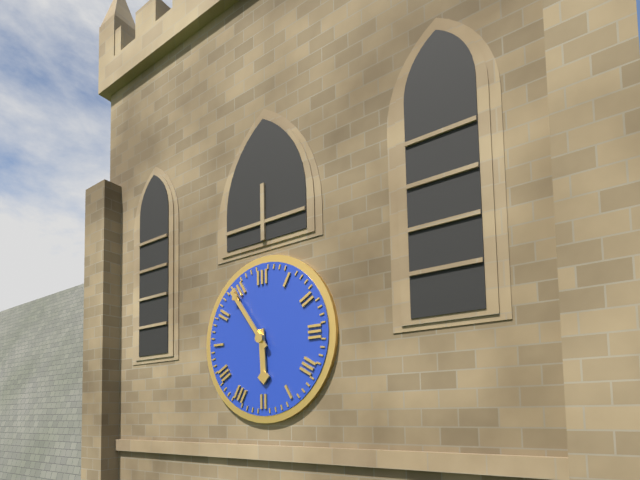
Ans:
h=5 m=54
